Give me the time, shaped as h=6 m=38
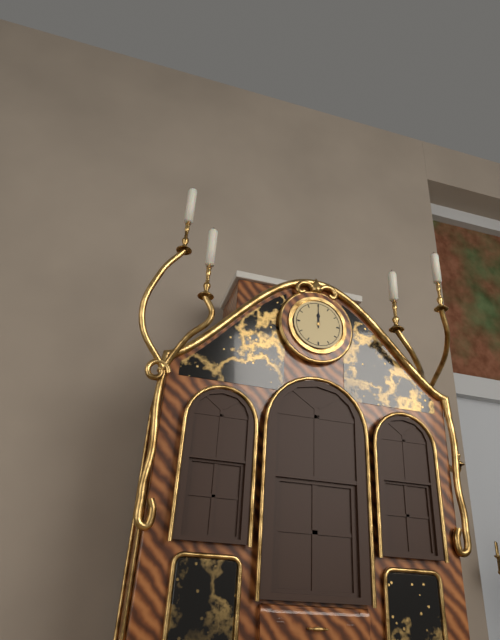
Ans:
h=12 m=0
